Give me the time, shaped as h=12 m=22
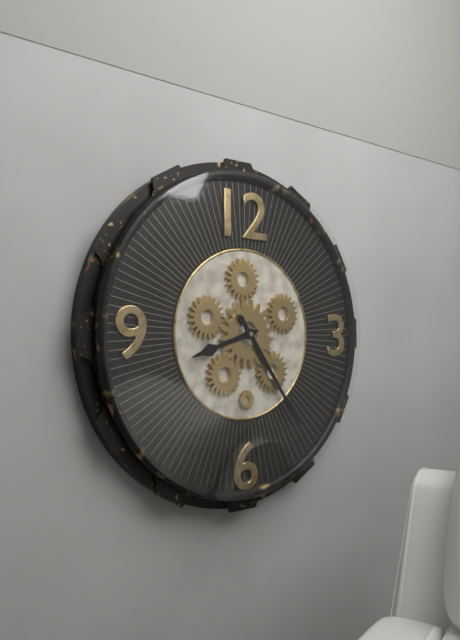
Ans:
h=8 m=24
